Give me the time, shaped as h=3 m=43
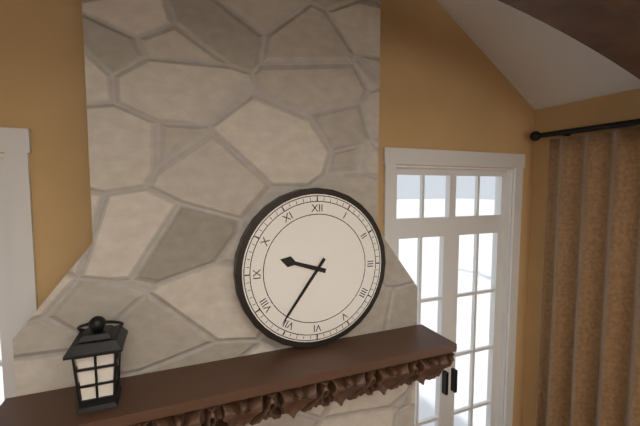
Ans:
h=9 m=36
